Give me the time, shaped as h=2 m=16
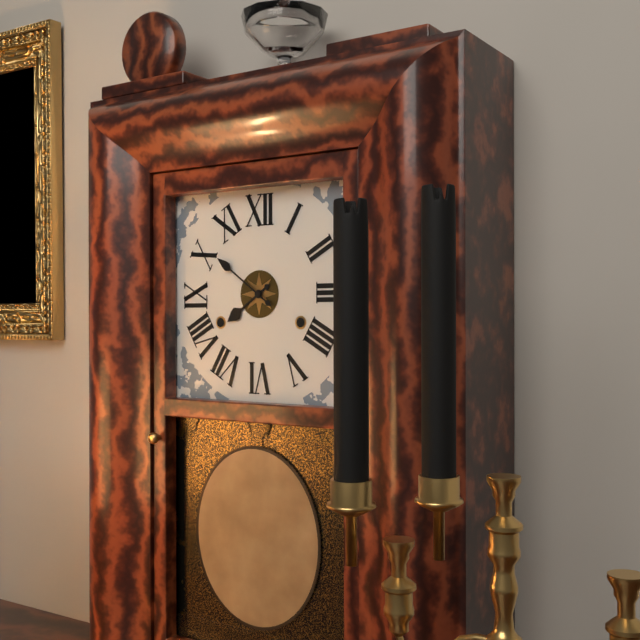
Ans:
h=7 m=51
